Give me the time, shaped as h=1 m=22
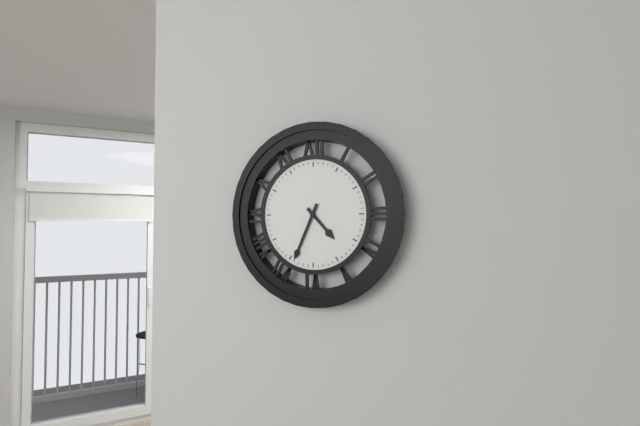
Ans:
h=4 m=34
